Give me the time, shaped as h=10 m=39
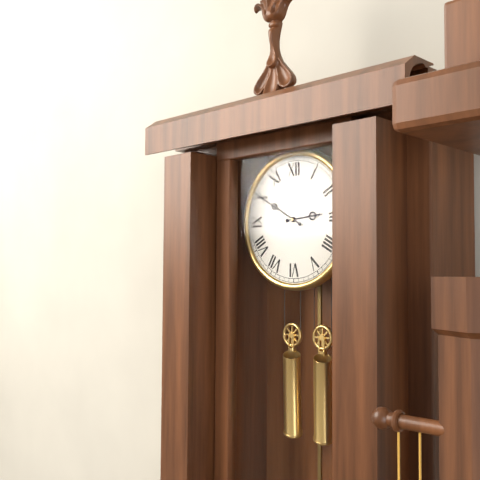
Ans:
h=2 m=50
